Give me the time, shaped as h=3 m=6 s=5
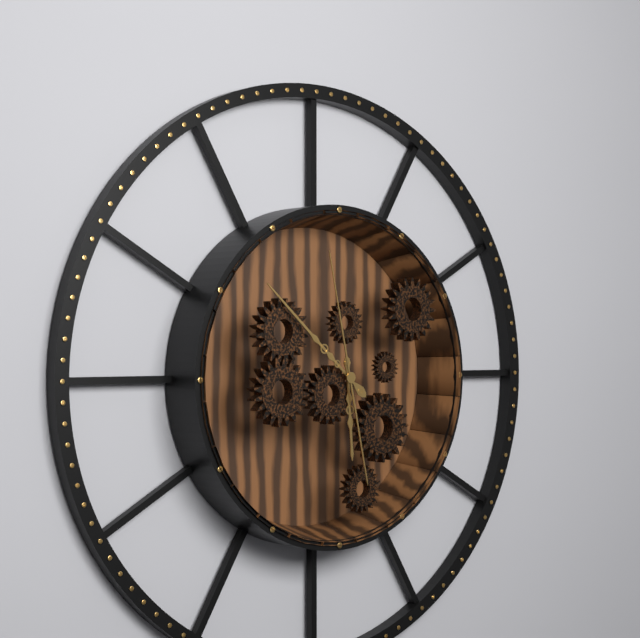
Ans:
h=5 m=52 s=58
